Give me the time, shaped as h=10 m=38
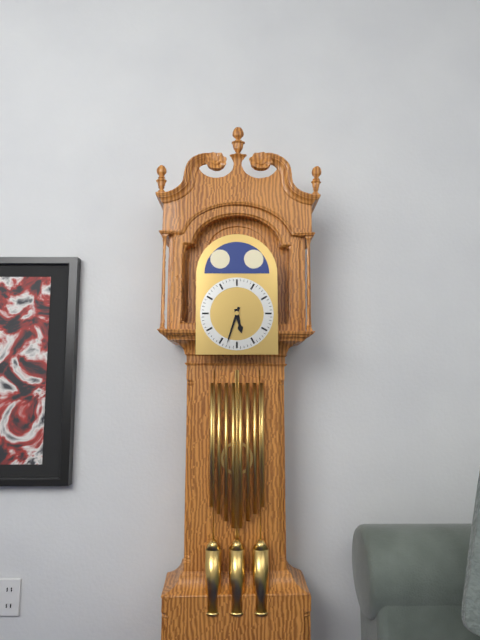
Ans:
h=5 m=33
